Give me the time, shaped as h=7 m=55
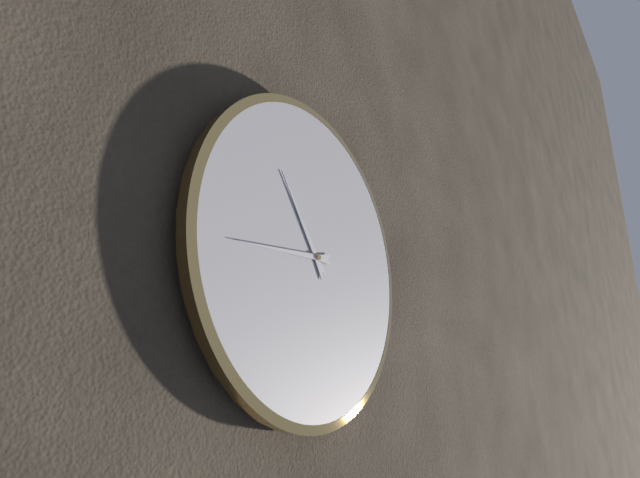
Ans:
h=10 m=44
